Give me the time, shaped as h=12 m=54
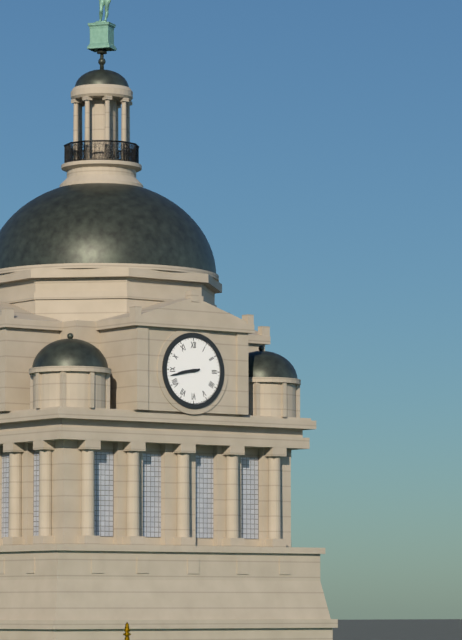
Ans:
h=8 m=43
